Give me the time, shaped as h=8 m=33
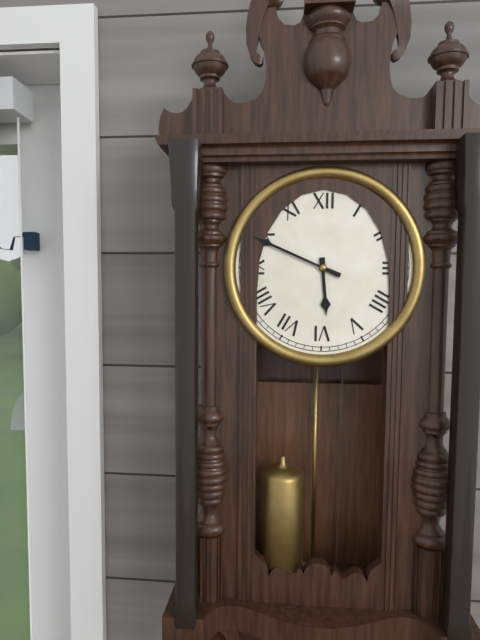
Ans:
h=5 m=49
